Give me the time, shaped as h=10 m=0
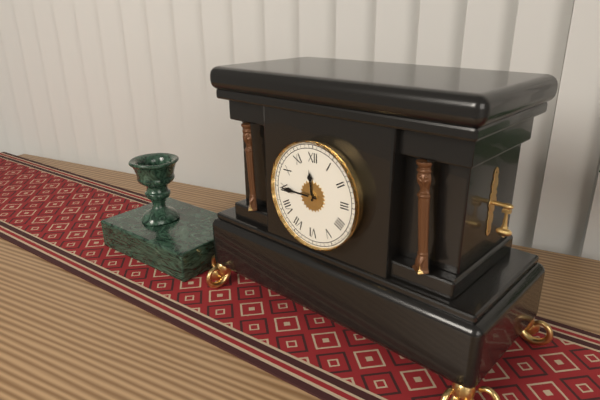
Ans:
h=11 m=45
